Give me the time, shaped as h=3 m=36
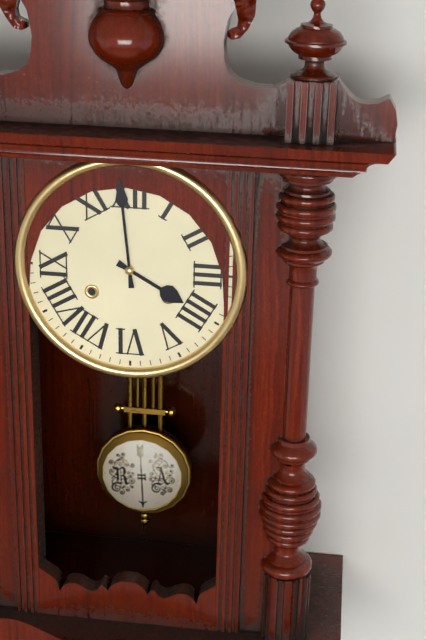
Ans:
h=3 m=59
